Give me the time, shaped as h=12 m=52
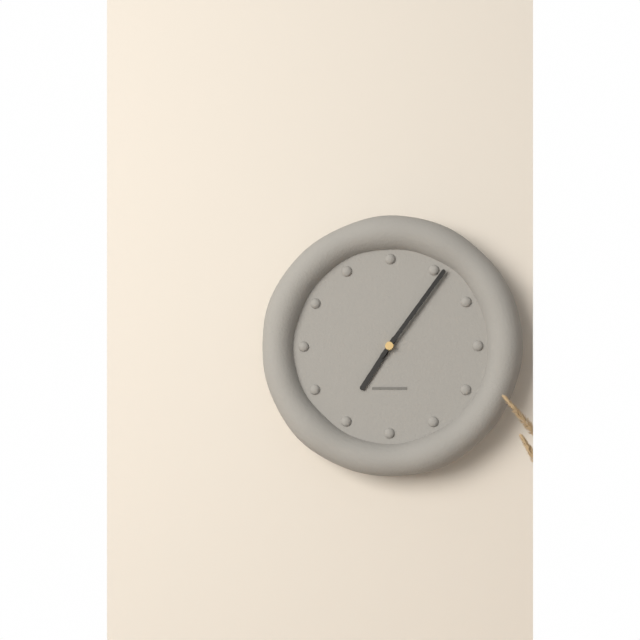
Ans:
h=7 m=6
